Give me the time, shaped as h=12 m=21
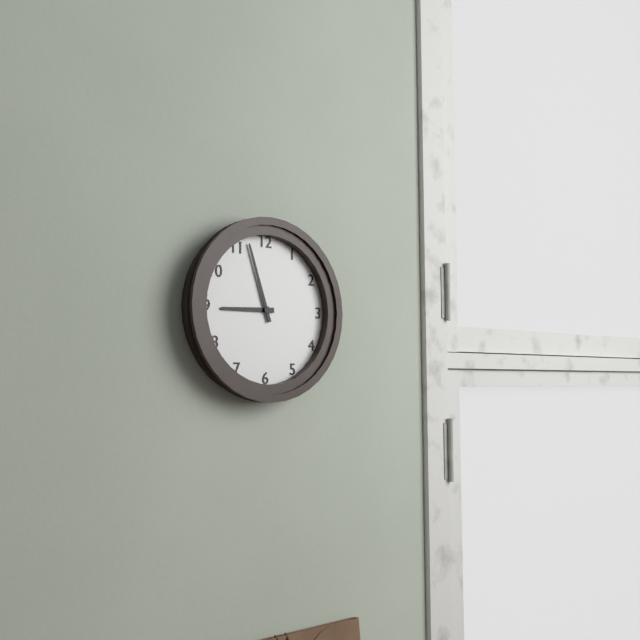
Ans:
h=8 m=57
